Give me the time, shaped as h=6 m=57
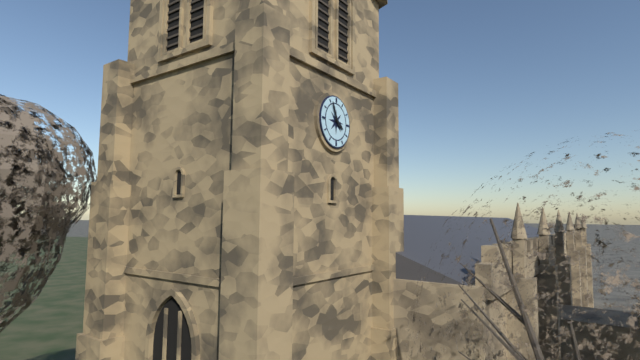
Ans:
h=3 m=56
